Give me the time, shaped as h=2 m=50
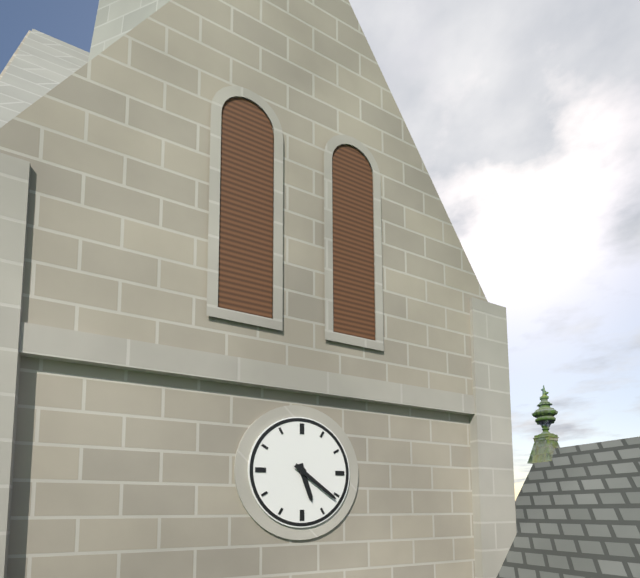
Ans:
h=5 m=21
